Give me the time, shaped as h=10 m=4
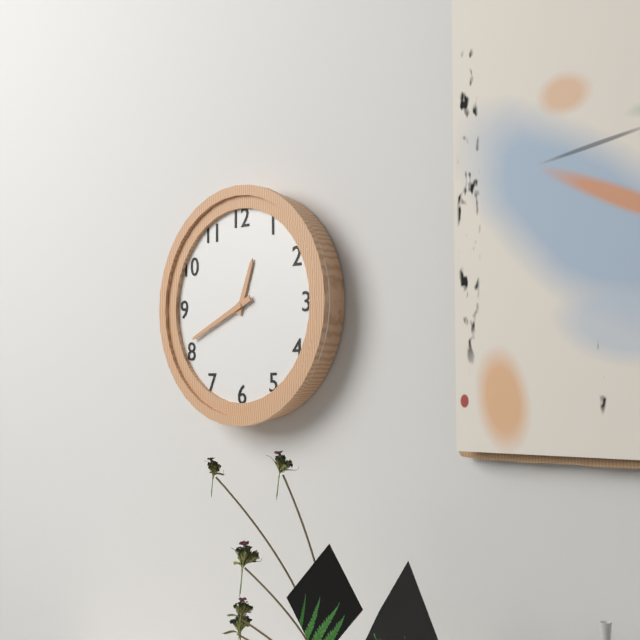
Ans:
h=12 m=41
